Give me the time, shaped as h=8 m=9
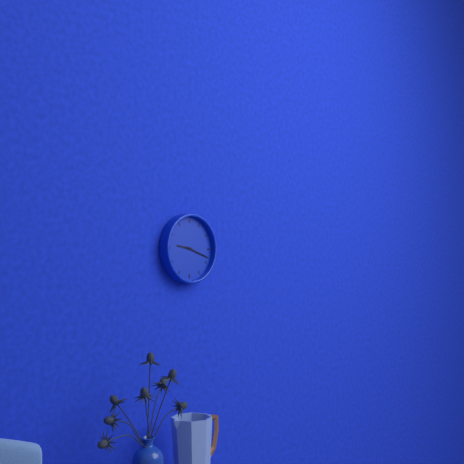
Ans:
h=9 m=18
